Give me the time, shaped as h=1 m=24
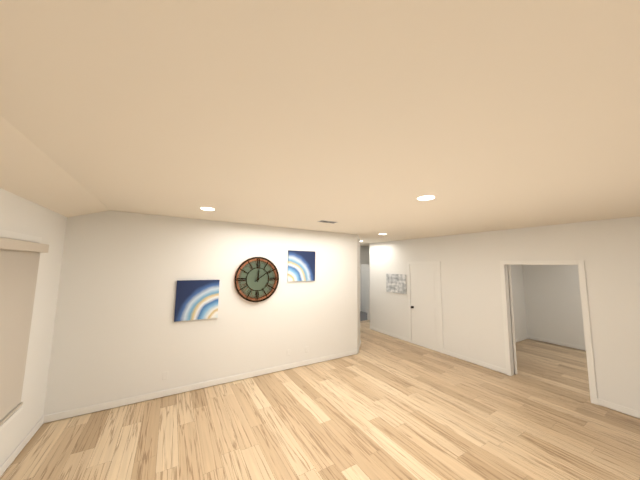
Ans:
h=12 m=9
